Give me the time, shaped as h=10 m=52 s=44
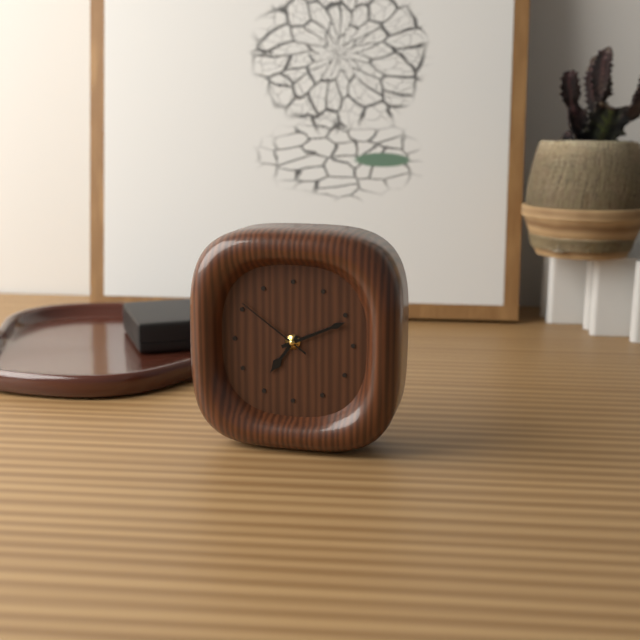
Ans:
h=7 m=11 s=51
